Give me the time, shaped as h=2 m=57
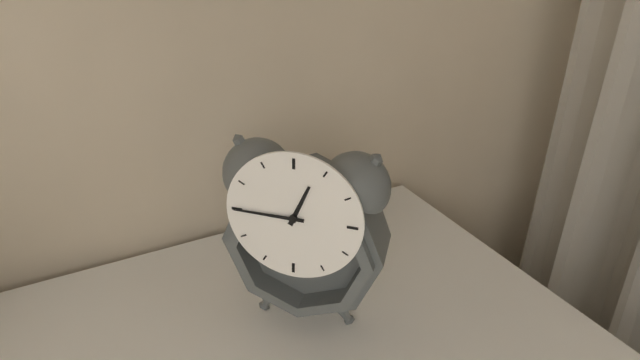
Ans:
h=12 m=45
